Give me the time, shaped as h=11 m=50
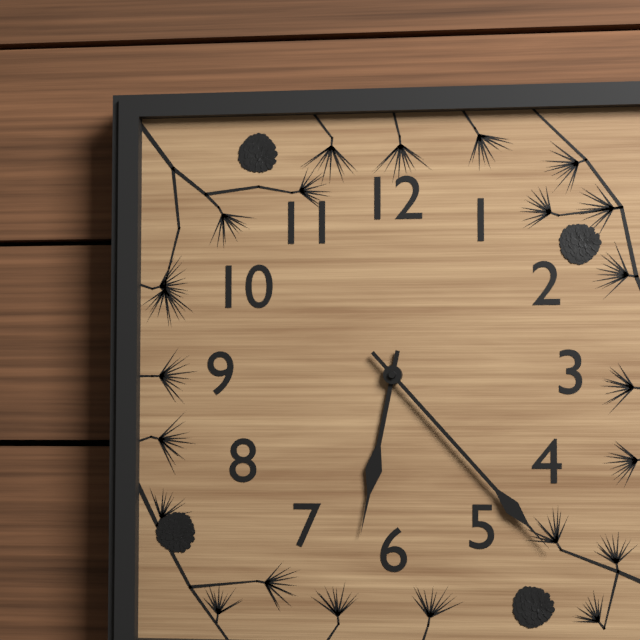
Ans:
h=6 m=23
